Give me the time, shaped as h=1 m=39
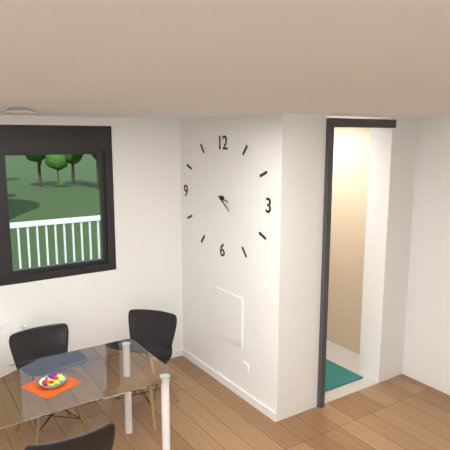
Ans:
h=3 m=21
